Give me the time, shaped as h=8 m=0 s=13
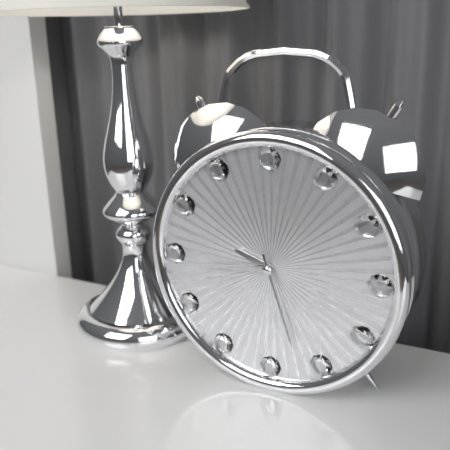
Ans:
h=9 m=44 s=27
